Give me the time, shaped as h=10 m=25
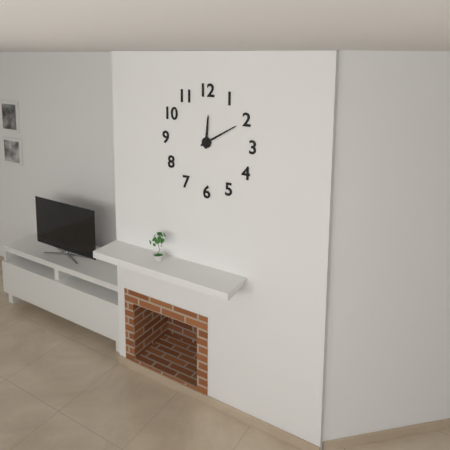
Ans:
h=12 m=10
